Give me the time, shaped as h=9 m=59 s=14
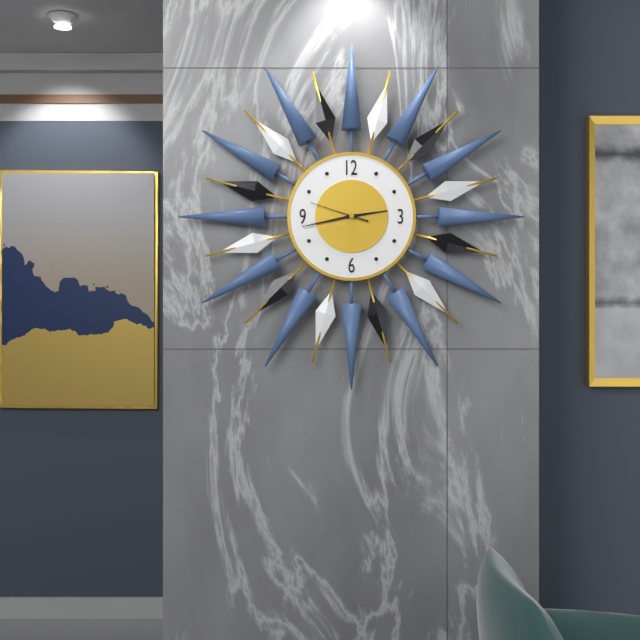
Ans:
h=2 m=43 s=48
